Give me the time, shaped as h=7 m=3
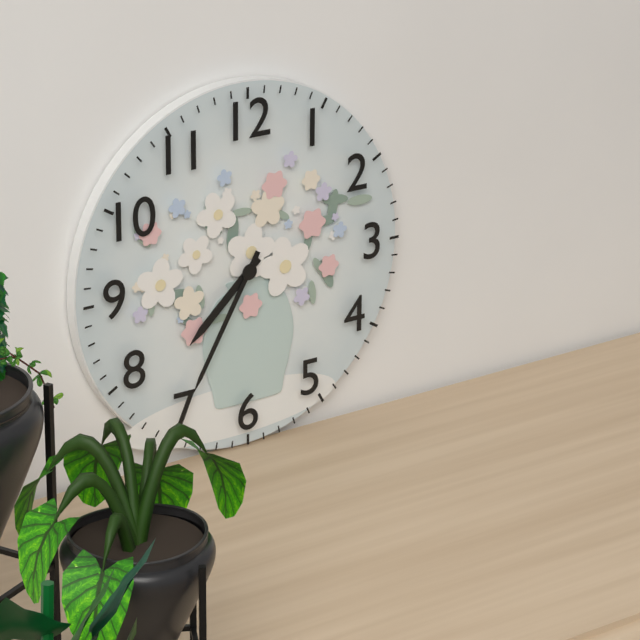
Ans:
h=7 m=35
